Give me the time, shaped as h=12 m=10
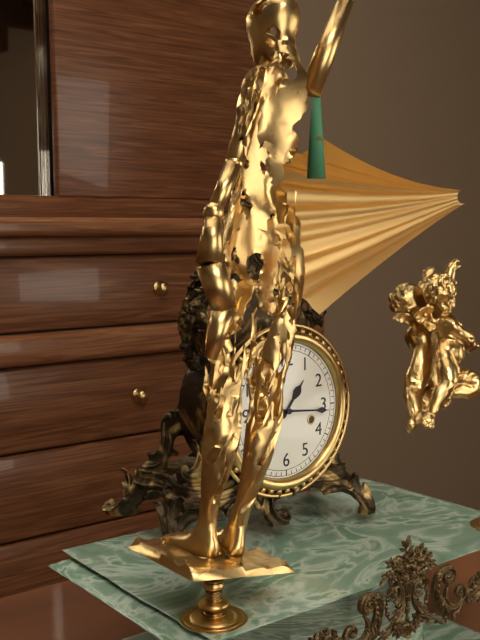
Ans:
h=1 m=16
